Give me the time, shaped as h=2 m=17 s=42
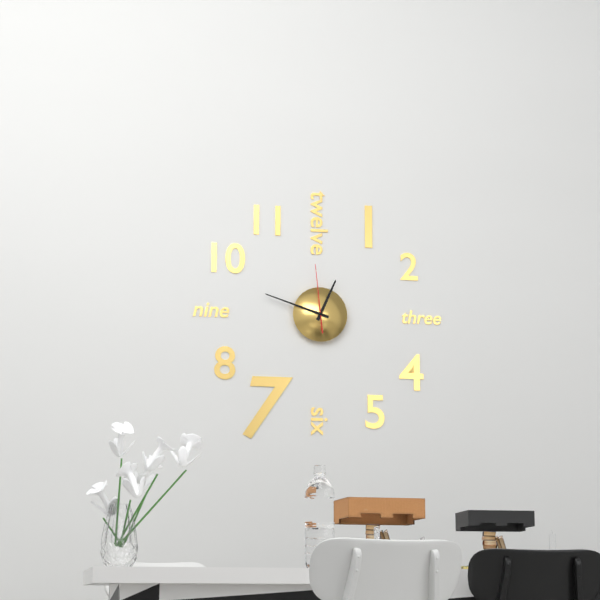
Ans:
h=12 m=48 s=59
